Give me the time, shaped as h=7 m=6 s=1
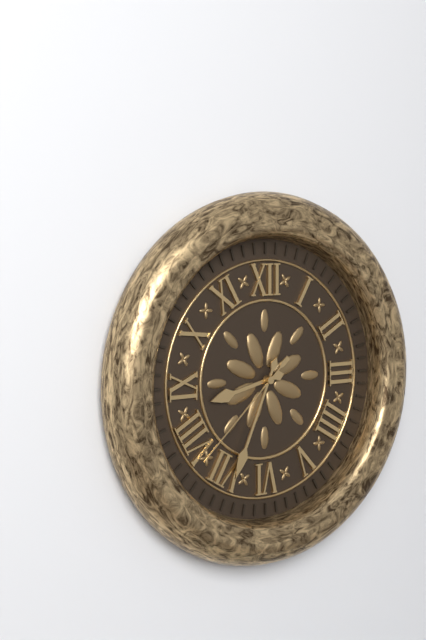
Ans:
h=8 m=34 s=38
